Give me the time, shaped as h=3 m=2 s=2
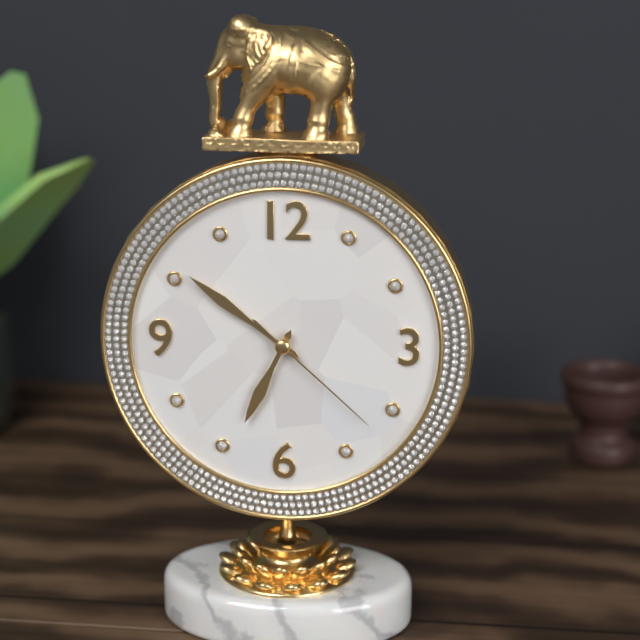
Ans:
h=6 m=51 s=22
